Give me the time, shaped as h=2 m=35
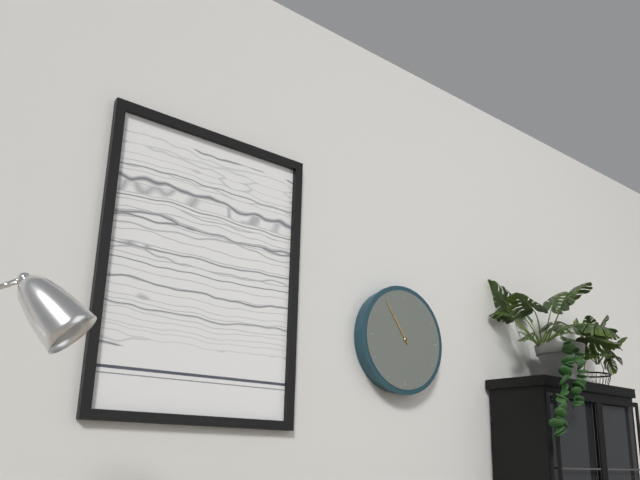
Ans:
h=10 m=54
